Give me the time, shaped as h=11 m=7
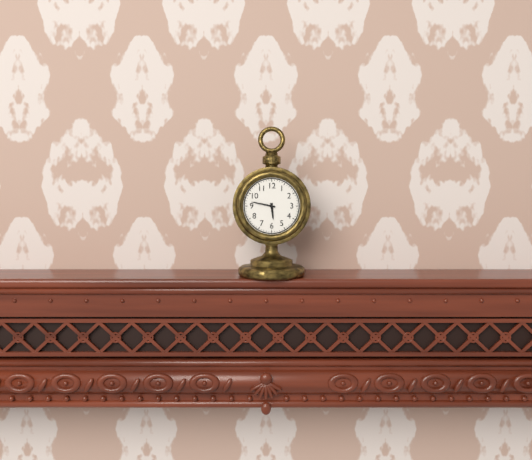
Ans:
h=5 m=47
